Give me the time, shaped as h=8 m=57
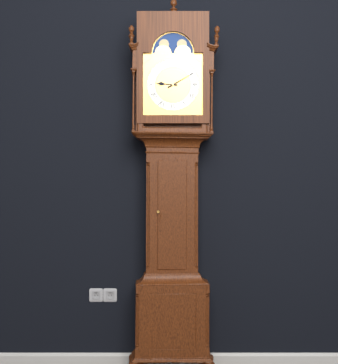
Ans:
h=9 m=10
